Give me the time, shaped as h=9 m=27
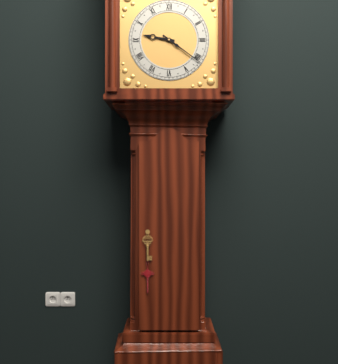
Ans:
h=9 m=21
